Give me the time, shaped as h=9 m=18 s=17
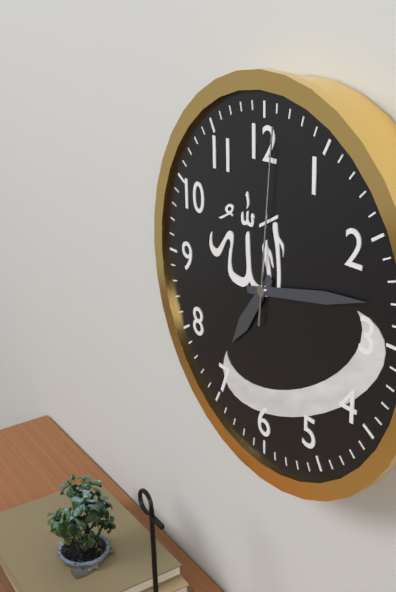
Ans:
h=7 m=13 s=1
